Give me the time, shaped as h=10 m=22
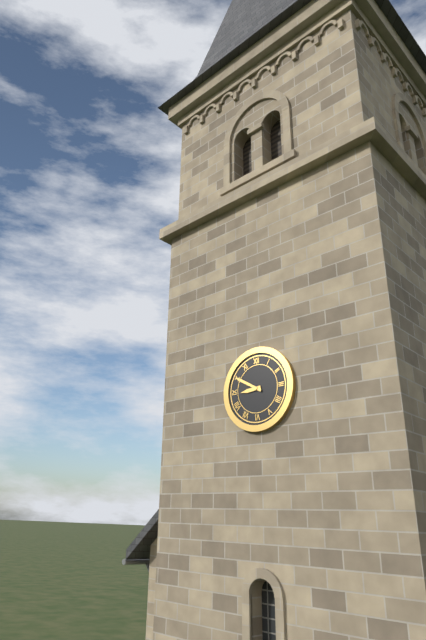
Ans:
h=8 m=50
